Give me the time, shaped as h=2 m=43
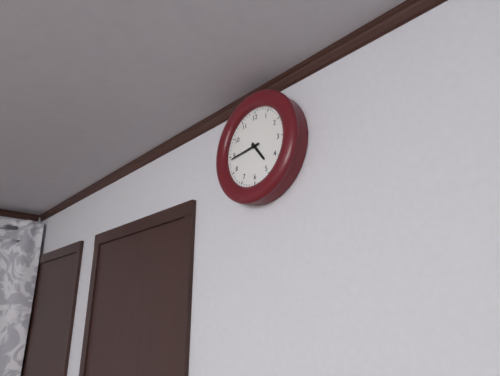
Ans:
h=4 m=44
